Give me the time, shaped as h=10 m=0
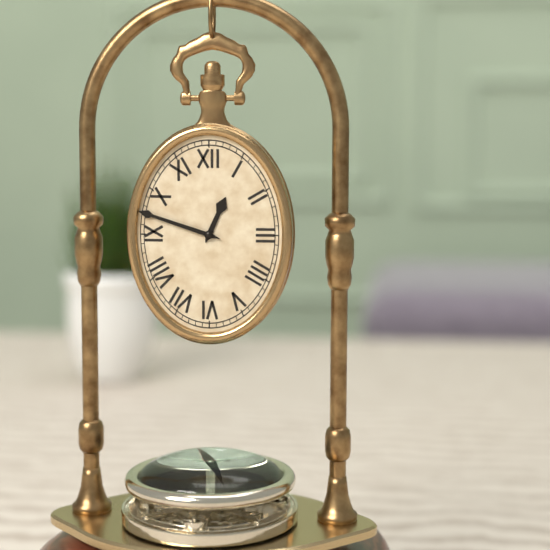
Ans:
h=12 m=48
